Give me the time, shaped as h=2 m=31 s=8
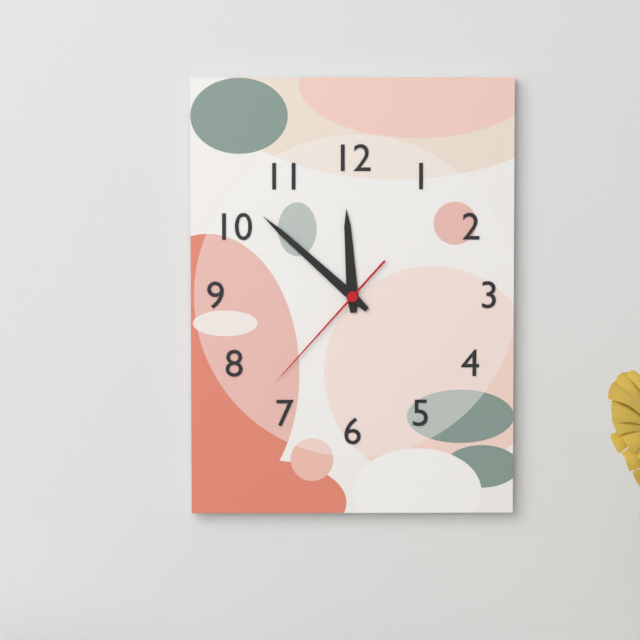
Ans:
h=11 m=52 s=37
